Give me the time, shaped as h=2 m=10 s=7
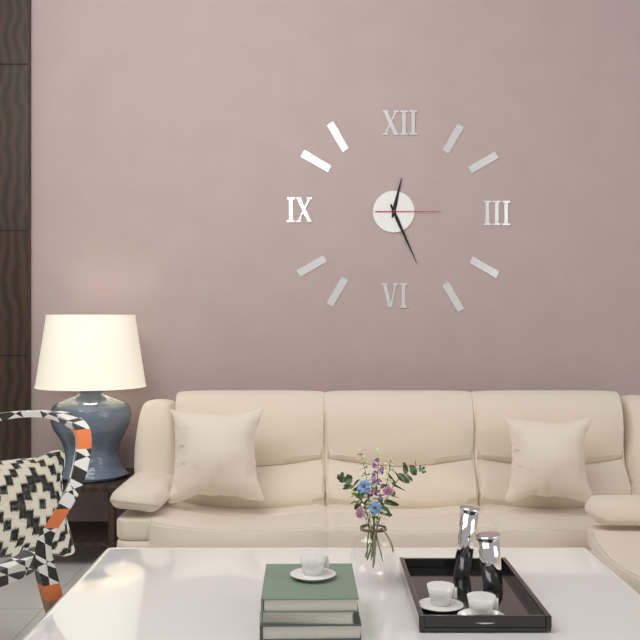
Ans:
h=12 m=26 s=15
